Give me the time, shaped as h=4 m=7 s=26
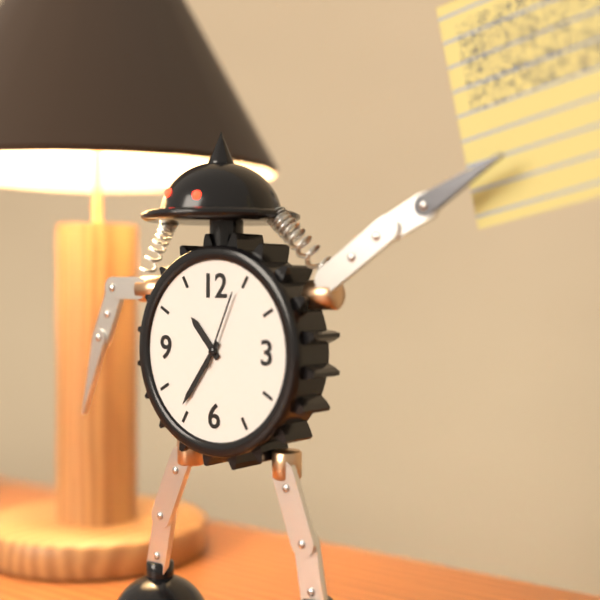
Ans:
h=10 m=36 s=4
